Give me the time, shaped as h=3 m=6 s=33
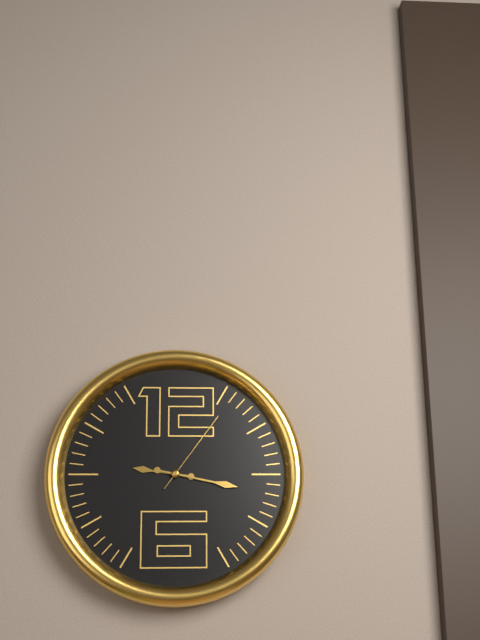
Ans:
h=9 m=17 s=6
